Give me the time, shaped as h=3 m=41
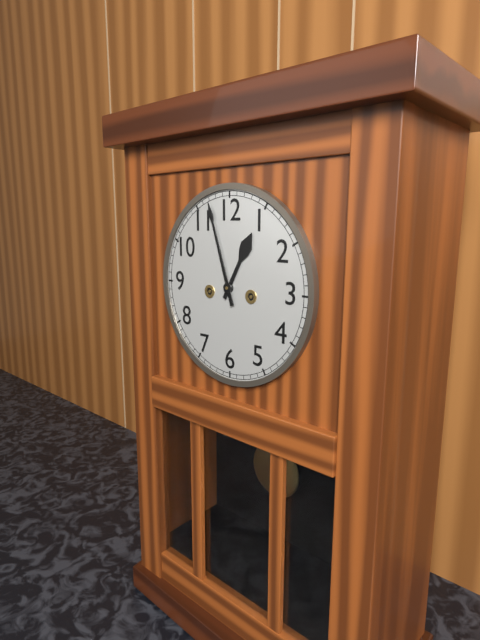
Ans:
h=12 m=57
